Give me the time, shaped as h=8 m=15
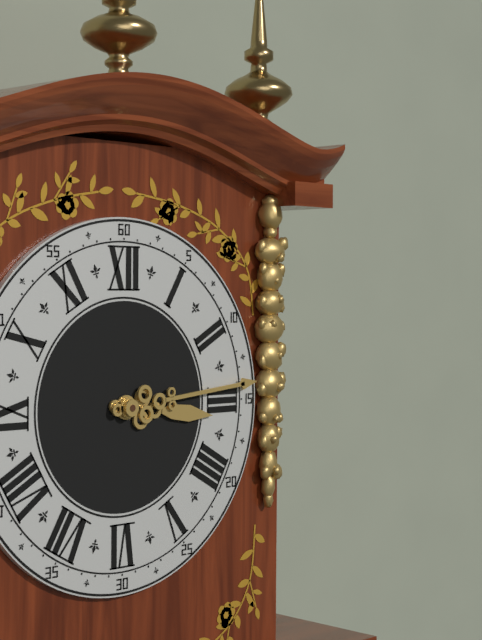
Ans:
h=3 m=14
